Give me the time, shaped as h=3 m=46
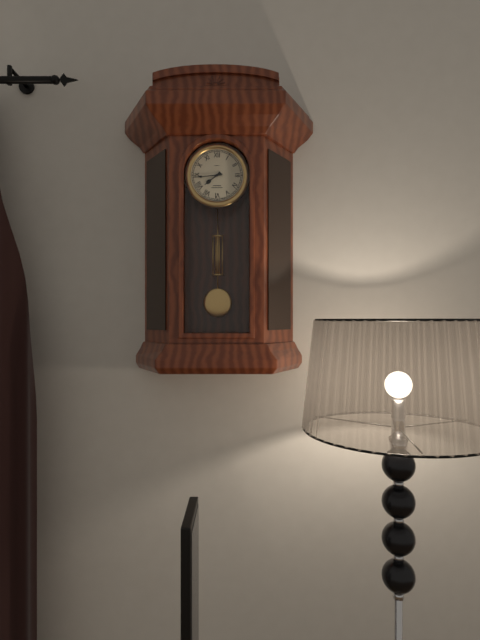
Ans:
h=7 m=44
